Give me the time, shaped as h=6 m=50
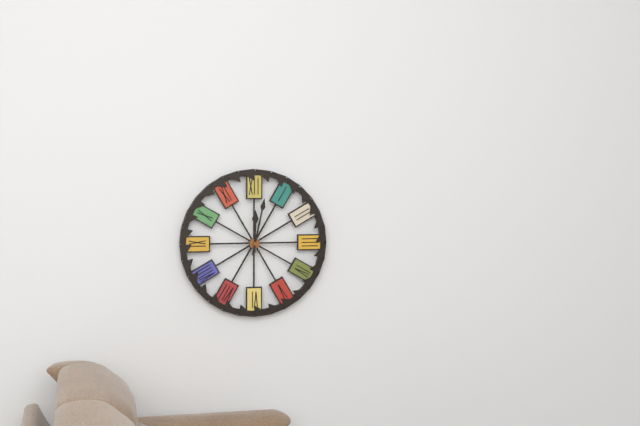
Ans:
h=12 m=2
